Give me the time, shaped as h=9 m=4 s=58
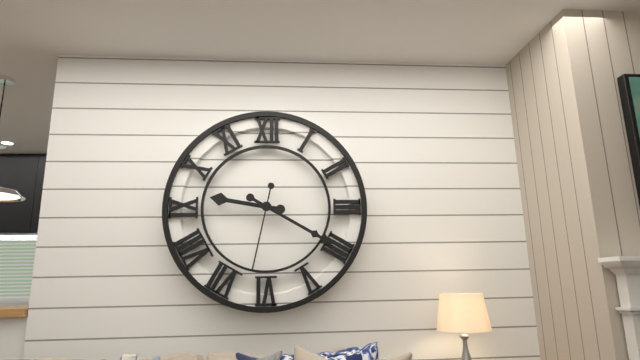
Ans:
h=9 m=20 s=32
